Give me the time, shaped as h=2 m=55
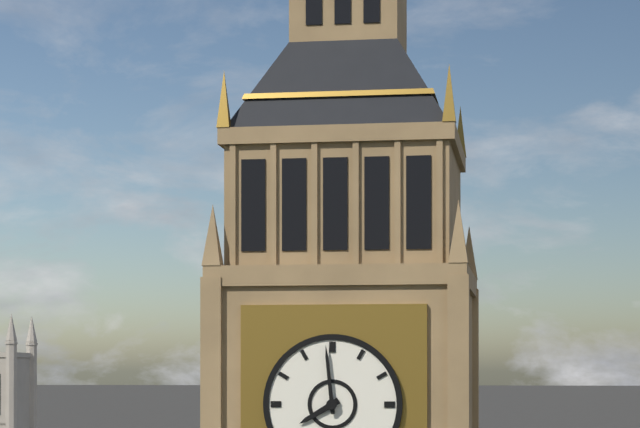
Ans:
h=7 m=59
